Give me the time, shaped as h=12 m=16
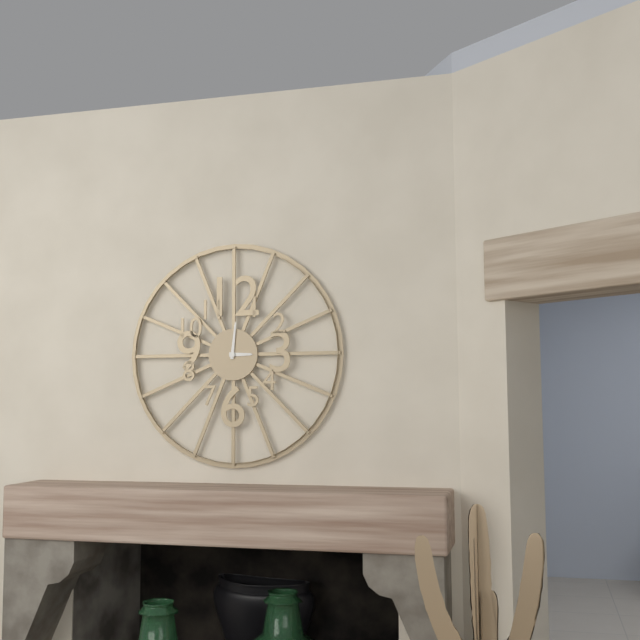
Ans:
h=3 m=1
